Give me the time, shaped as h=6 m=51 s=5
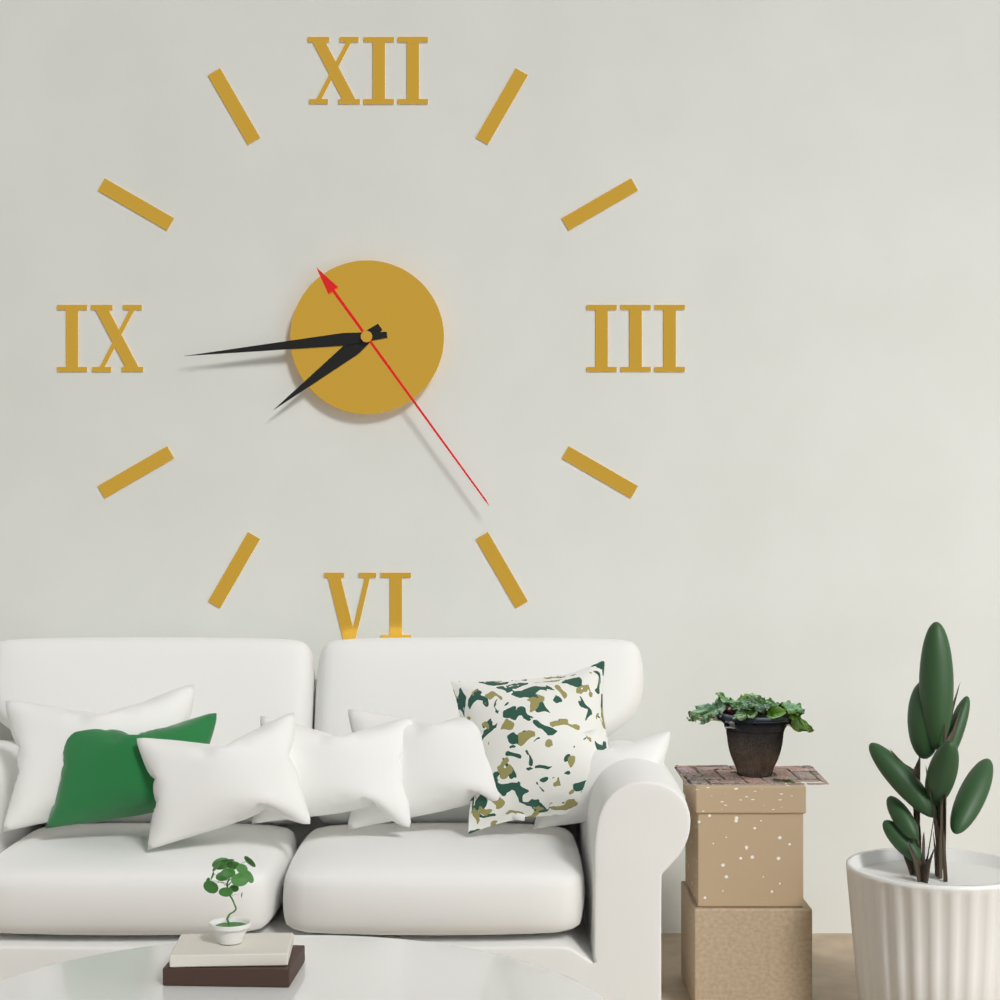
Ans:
h=7 m=44 s=24
